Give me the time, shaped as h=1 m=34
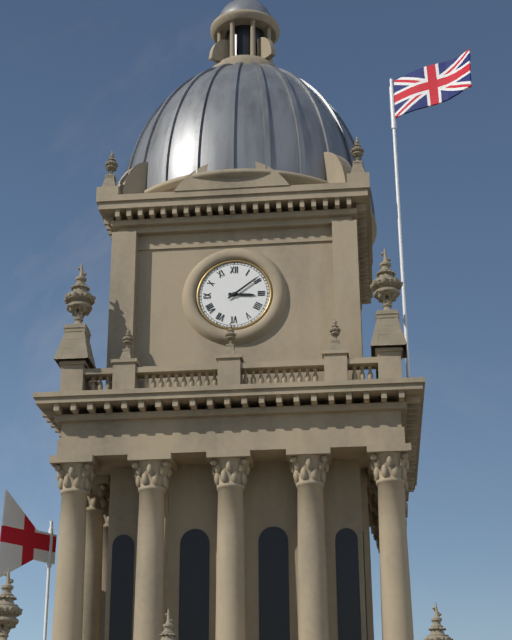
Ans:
h=3 m=9
